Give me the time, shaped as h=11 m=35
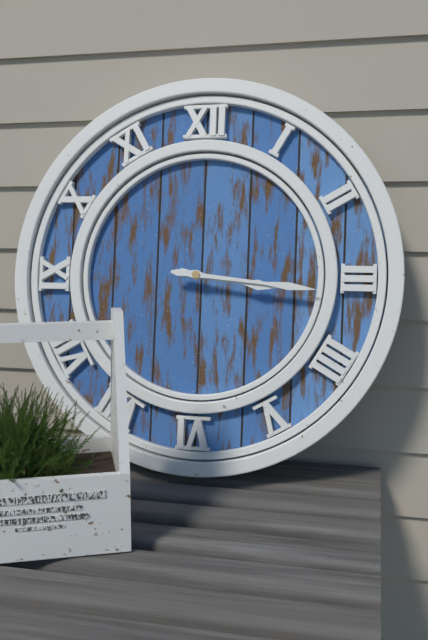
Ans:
h=3 m=16
